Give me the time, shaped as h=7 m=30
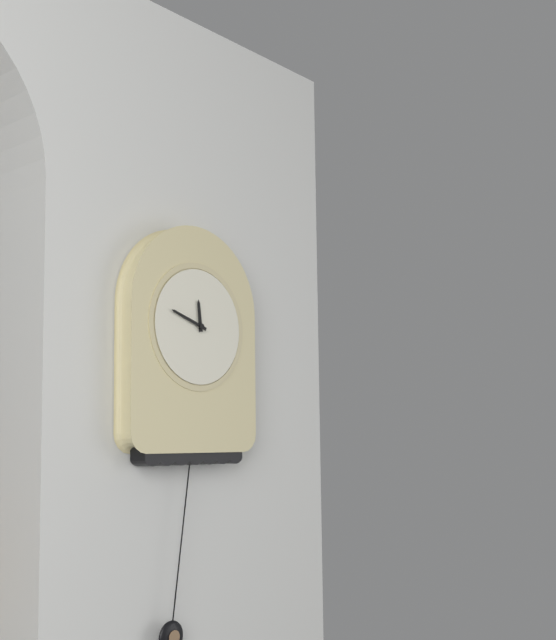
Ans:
h=11 m=48
